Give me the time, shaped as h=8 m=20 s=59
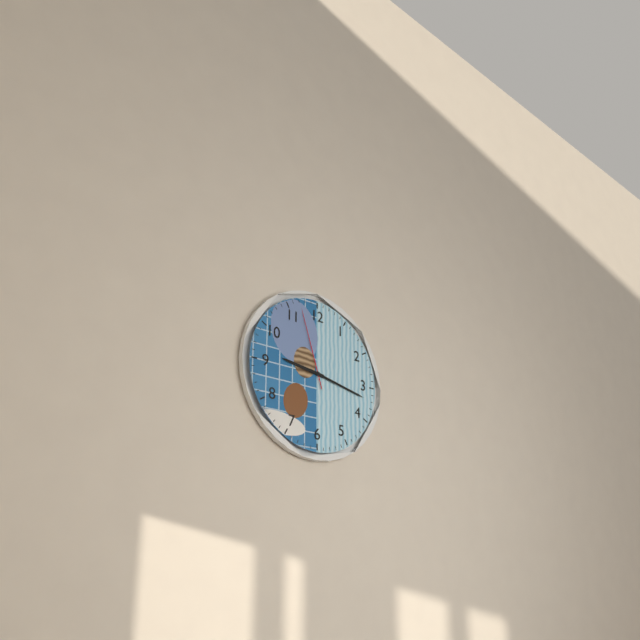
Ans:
h=9 m=17 s=57
